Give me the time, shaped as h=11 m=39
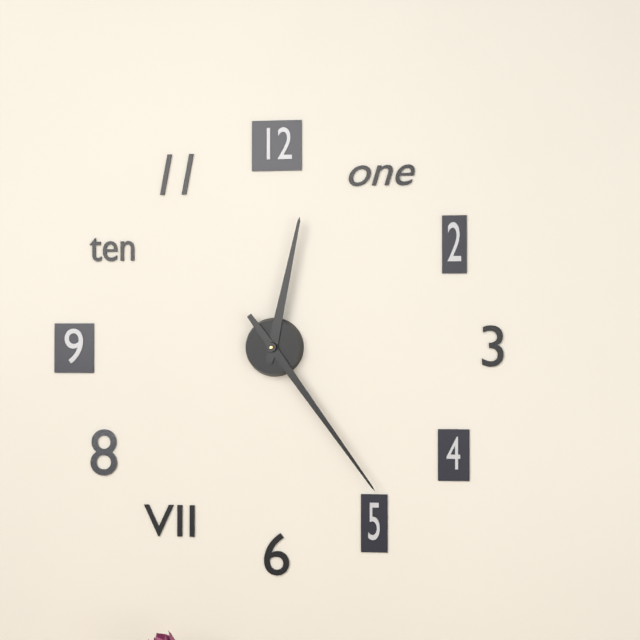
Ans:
h=12 m=24
